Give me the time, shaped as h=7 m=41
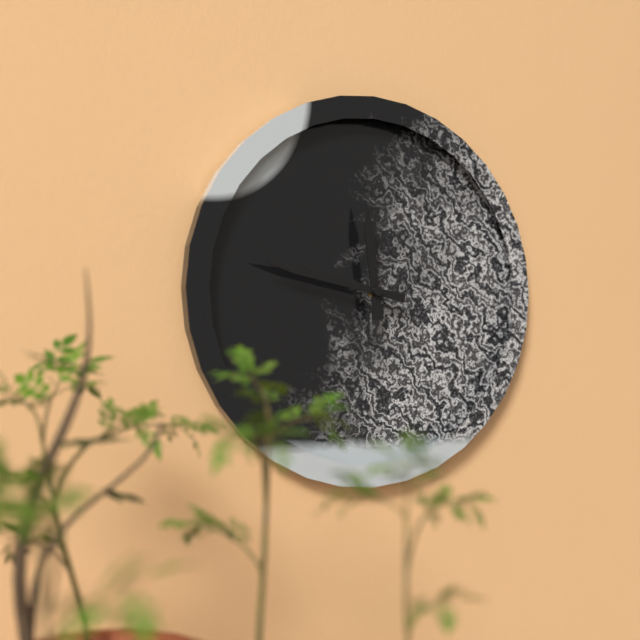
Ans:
h=11 m=47
